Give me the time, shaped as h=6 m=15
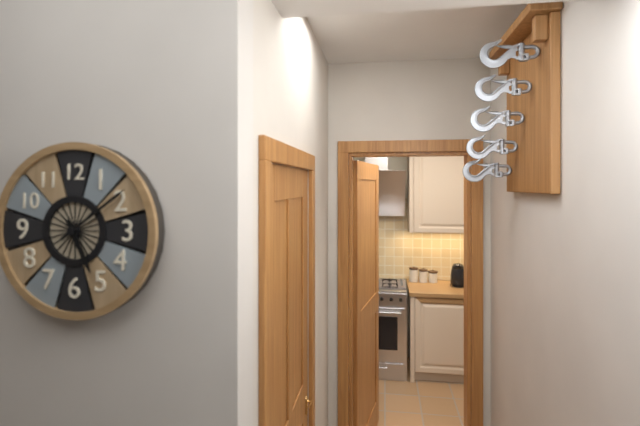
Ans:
h=5 m=9
